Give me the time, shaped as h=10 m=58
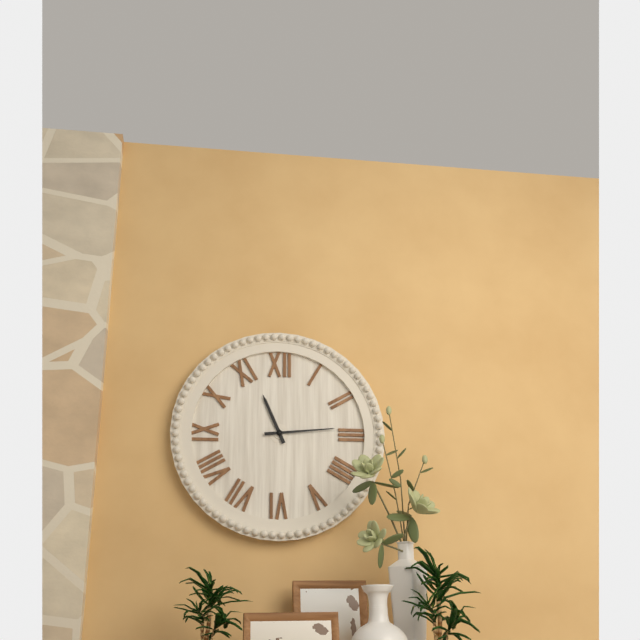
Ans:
h=11 m=14
